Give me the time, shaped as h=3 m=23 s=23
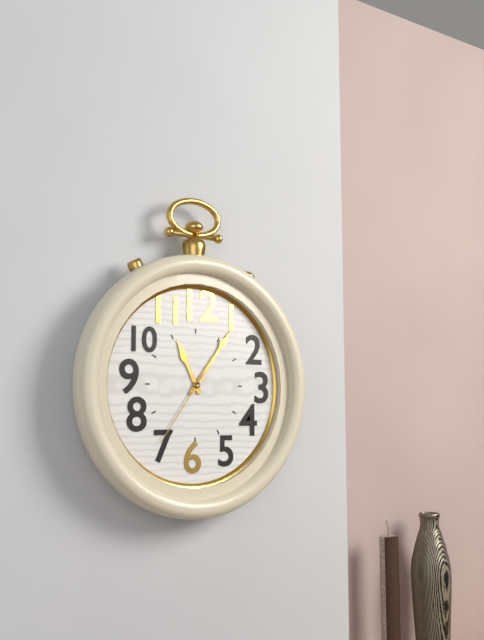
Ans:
h=11 m=6 s=36
